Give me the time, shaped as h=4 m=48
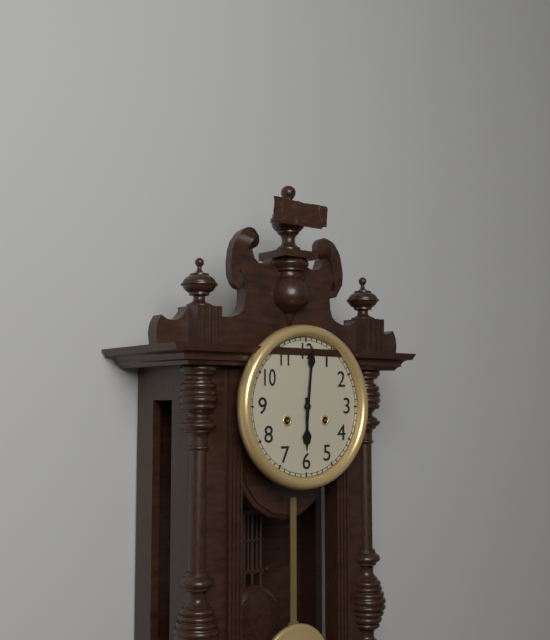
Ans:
h=6 m=1
